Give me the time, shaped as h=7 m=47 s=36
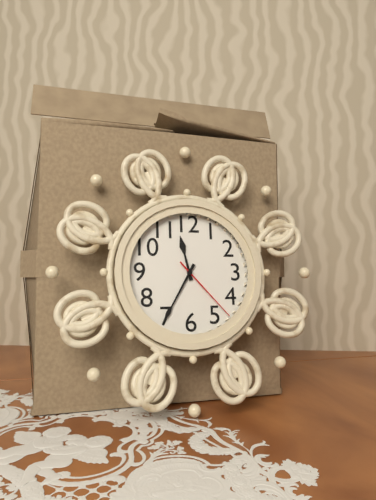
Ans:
h=11 m=35 s=23
